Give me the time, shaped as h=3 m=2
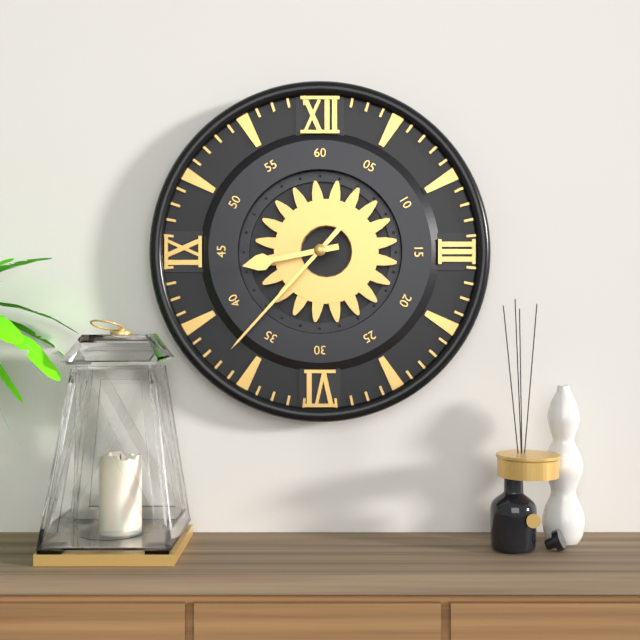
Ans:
h=8 m=37
